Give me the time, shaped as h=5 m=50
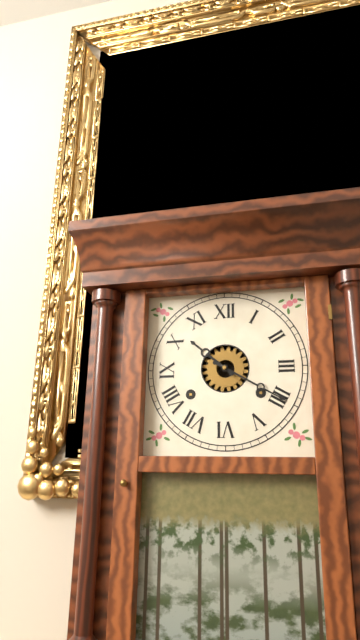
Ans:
h=10 m=20
